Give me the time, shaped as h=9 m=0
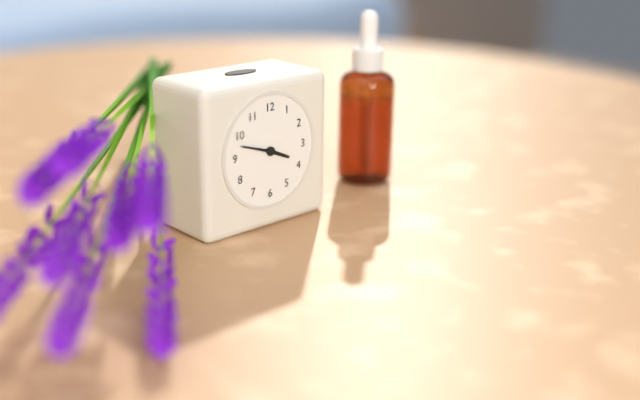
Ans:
h=3 m=48
